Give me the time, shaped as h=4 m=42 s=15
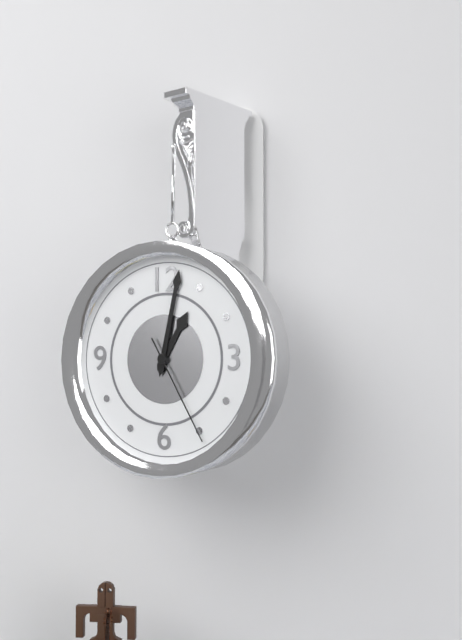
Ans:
h=1 m=2 s=25
